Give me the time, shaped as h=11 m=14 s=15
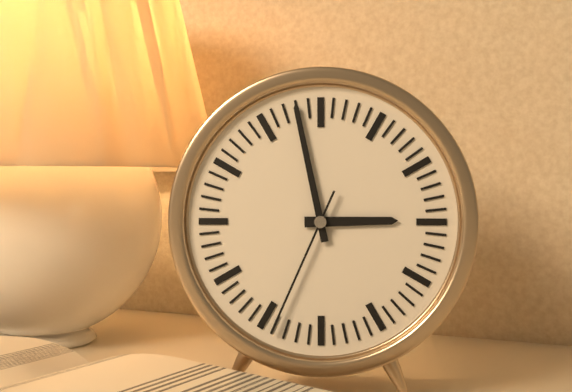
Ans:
h=2 m=58 s=34
